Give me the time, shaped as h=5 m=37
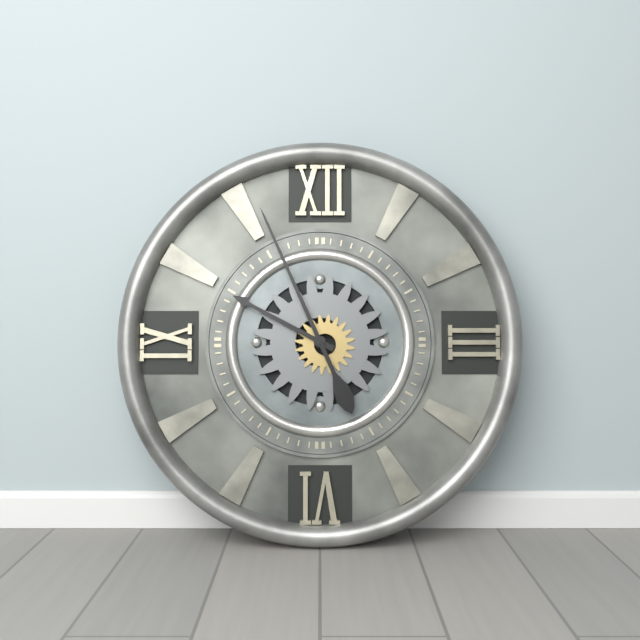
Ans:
h=9 m=56
